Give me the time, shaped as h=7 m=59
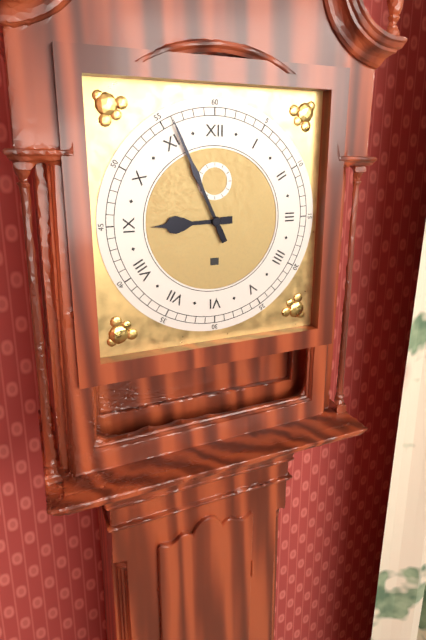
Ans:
h=8 m=56
